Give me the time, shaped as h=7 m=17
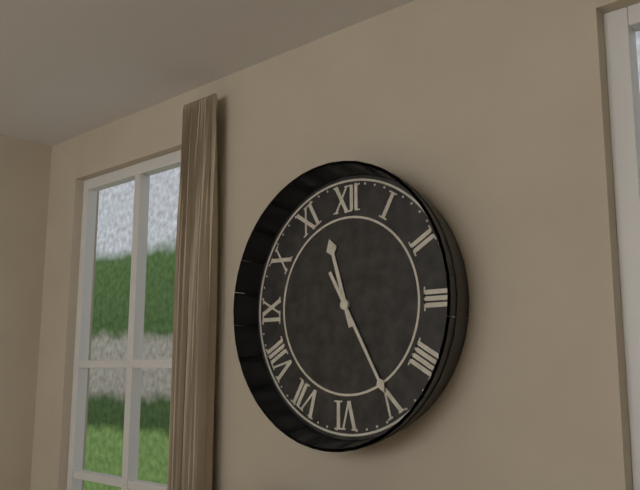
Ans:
h=11 m=25
